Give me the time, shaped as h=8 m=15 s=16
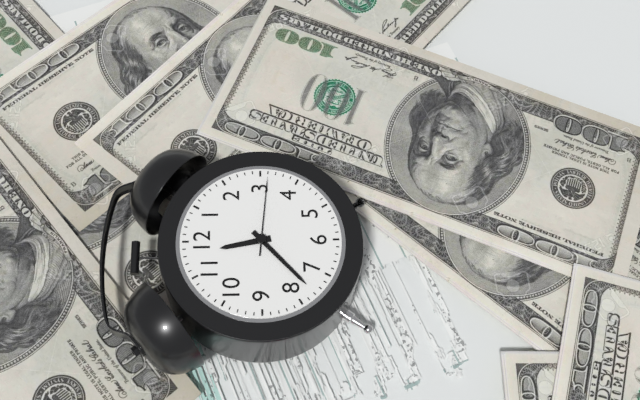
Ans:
h=11 m=38 s=16
